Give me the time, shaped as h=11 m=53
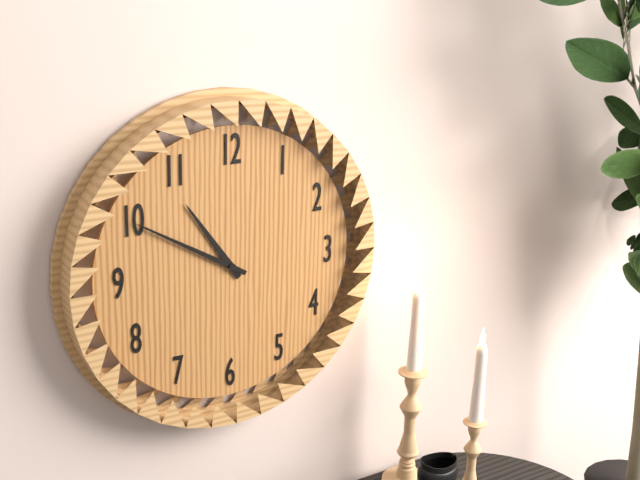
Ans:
h=10 m=50
